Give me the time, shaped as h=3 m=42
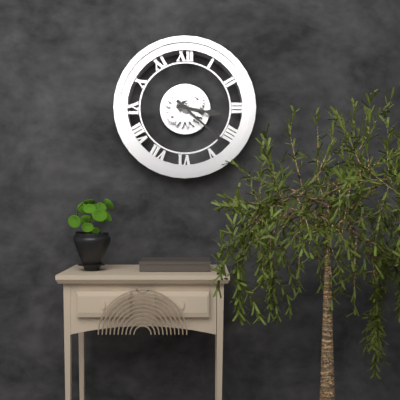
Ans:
h=3 m=22
